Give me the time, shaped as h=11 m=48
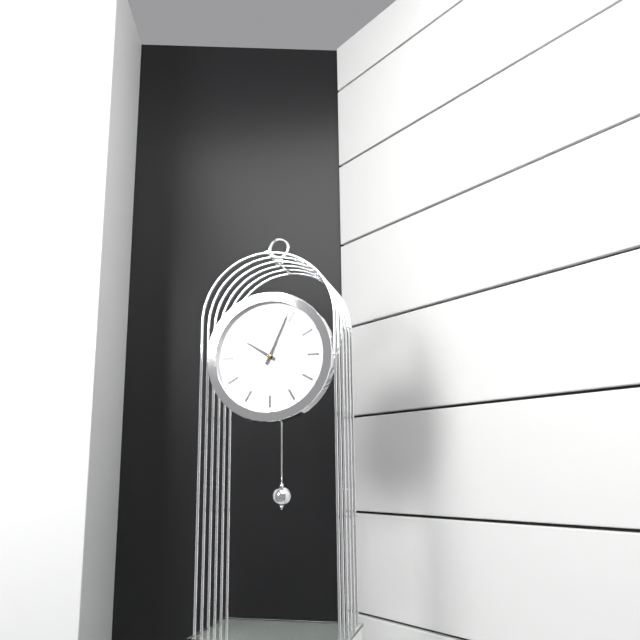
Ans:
h=10 m=4
